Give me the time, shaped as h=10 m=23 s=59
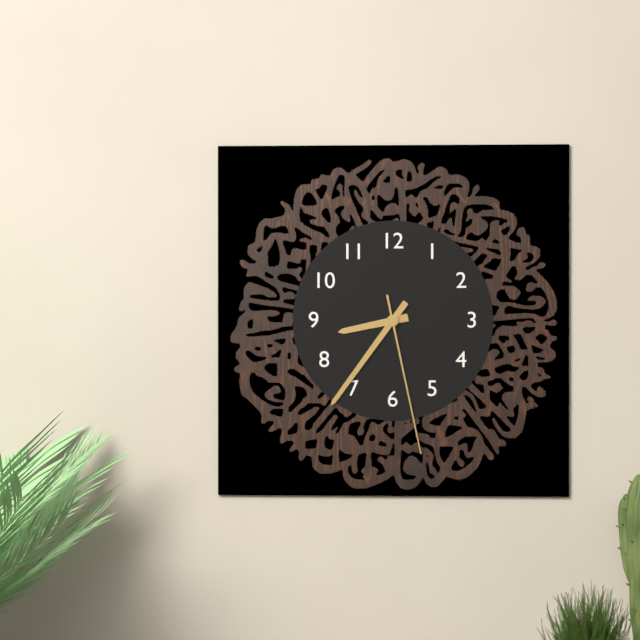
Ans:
h=8 m=36 s=28
